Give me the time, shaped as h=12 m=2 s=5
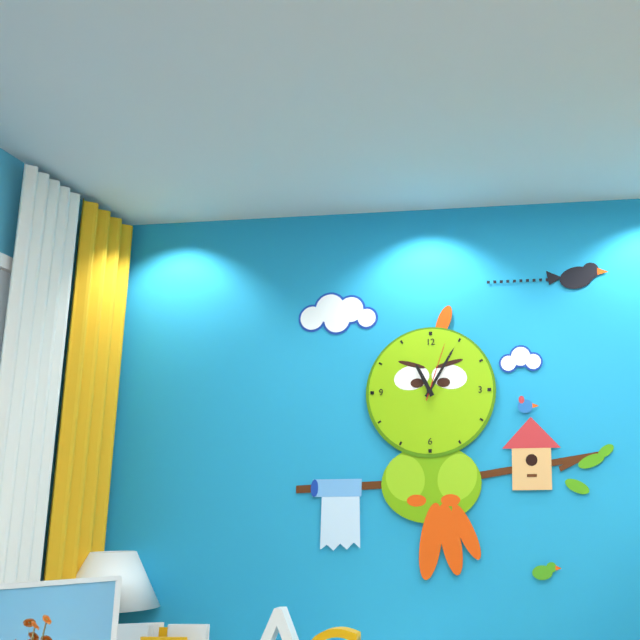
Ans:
h=11 m=5 s=3
